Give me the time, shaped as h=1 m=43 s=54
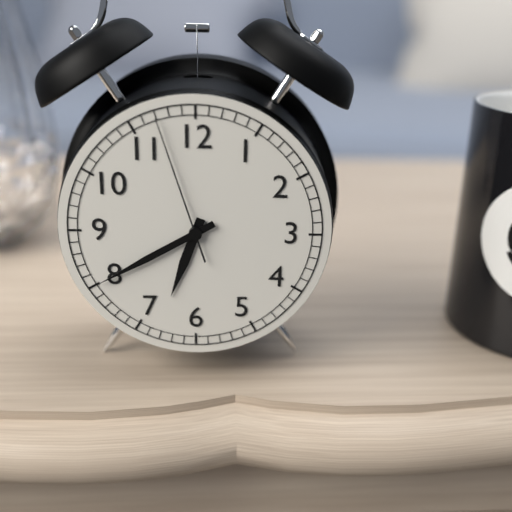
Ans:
h=6 m=40 s=57
